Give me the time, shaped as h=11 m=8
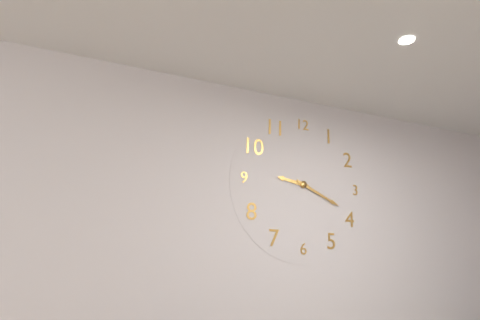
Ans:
h=9 m=19
